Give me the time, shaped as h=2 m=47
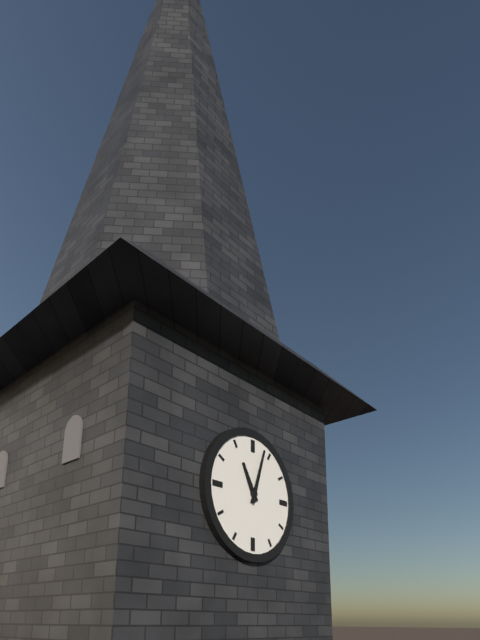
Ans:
h=11 m=3
